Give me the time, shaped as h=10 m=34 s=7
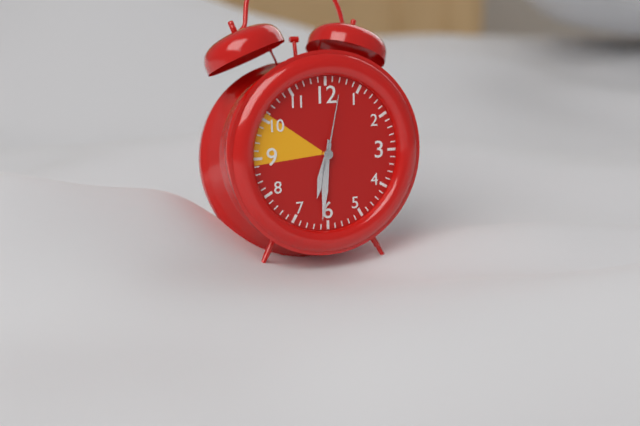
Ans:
h=6 m=31 s=2
